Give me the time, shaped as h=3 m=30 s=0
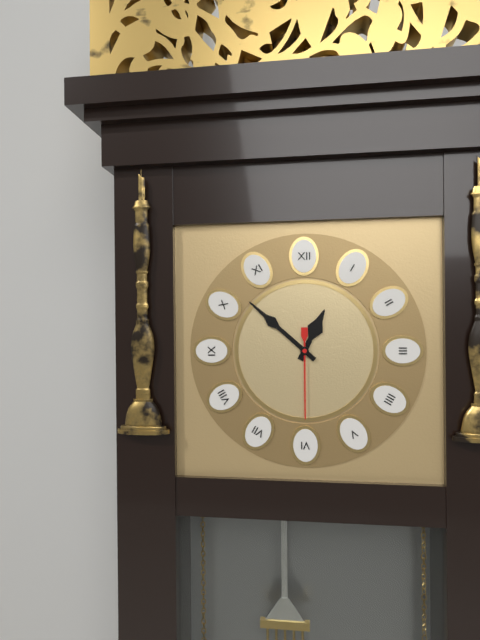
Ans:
h=12 m=52 s=30
